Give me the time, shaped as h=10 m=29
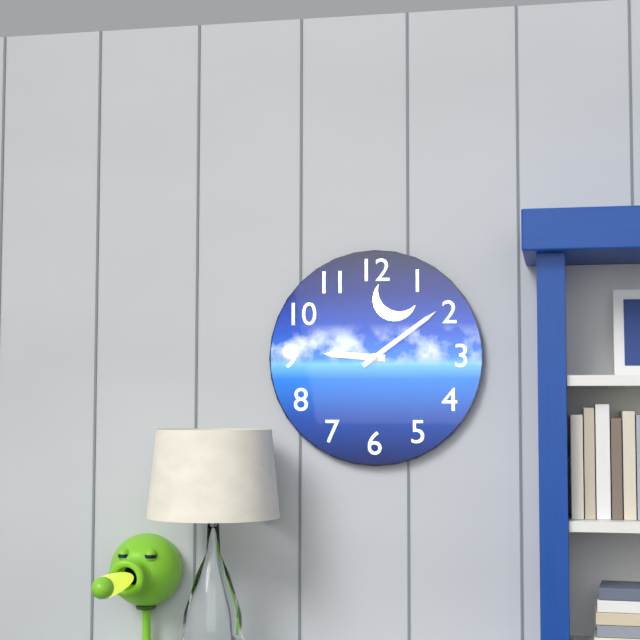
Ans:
h=9 m=9
